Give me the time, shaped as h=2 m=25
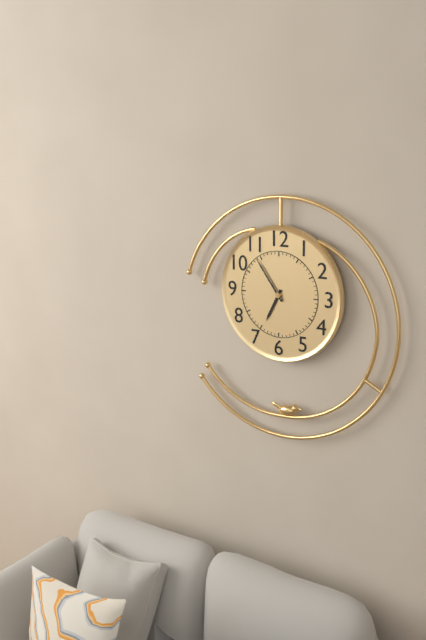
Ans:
h=6 m=54
